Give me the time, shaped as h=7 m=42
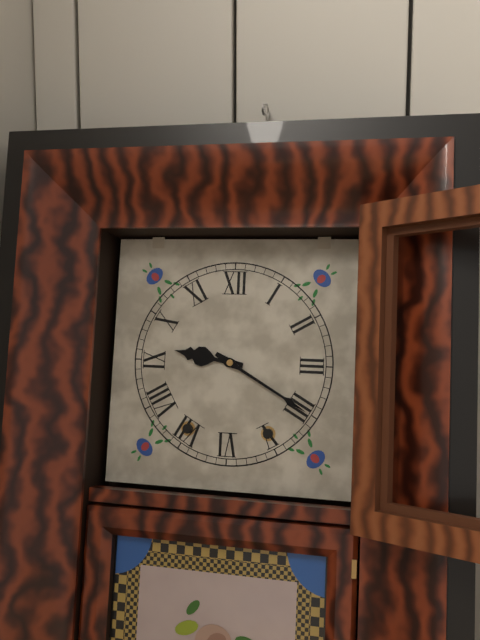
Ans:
h=9 m=20
